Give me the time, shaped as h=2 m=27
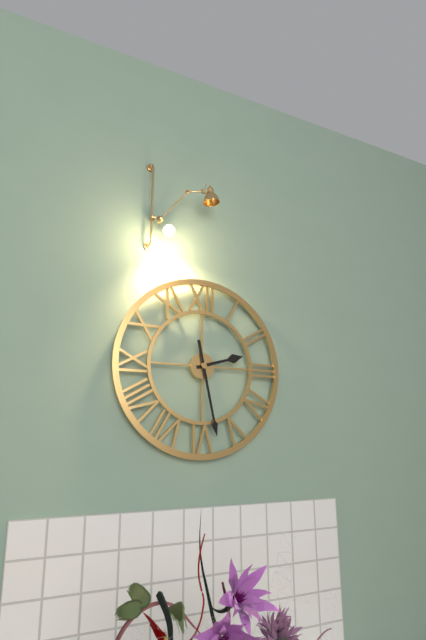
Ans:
h=2 m=28
